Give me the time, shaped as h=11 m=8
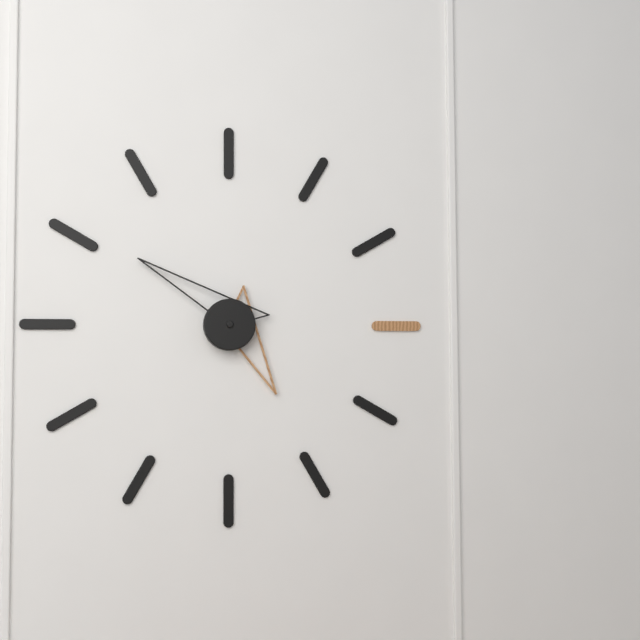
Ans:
h=4 m=51
